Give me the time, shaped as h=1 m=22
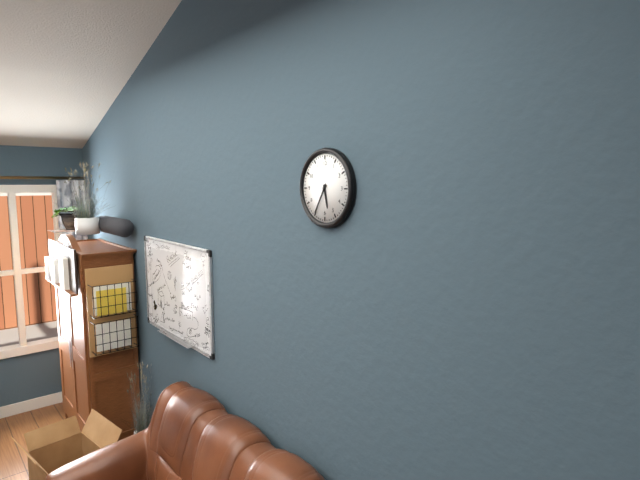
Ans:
h=5 m=35
